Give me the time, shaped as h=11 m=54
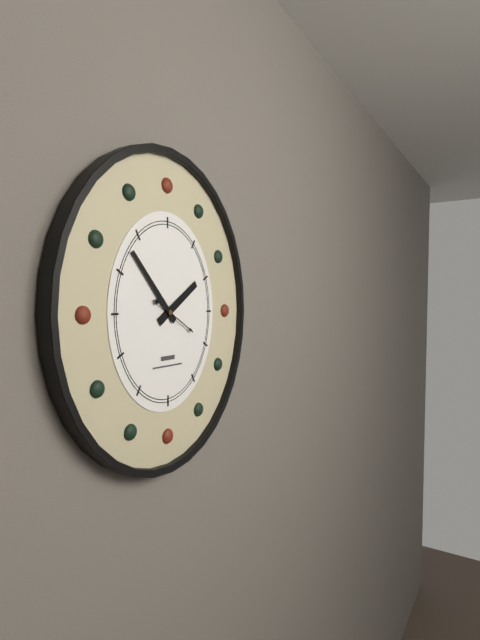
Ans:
h=1 m=53
